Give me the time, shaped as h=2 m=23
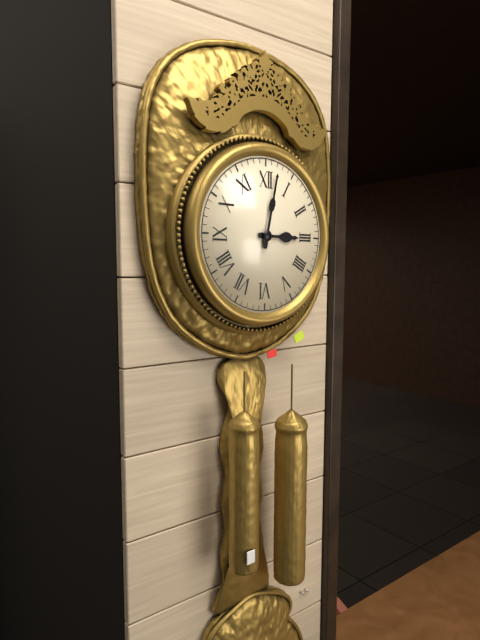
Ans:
h=3 m=2
